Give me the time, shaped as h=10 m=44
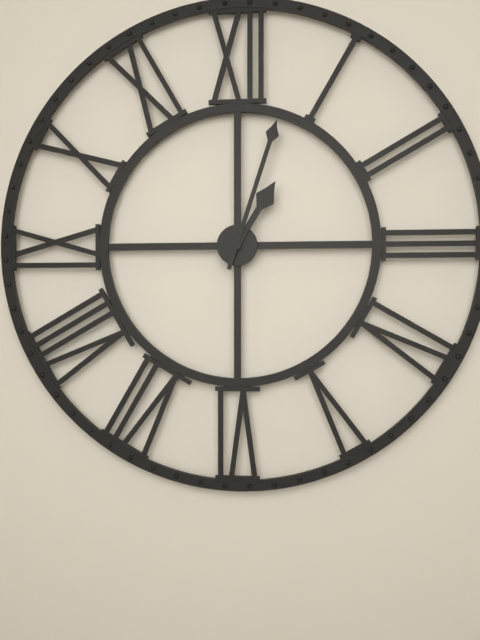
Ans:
h=1 m=3
